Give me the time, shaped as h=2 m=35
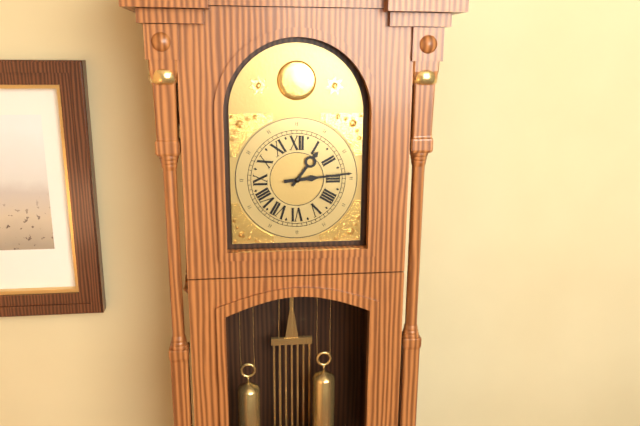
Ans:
h=1 m=14
